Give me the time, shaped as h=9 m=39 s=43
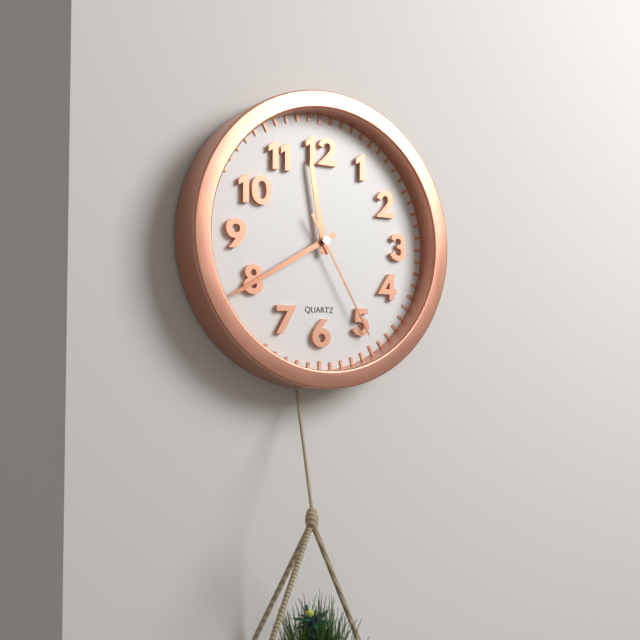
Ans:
h=11 m=40 s=25
